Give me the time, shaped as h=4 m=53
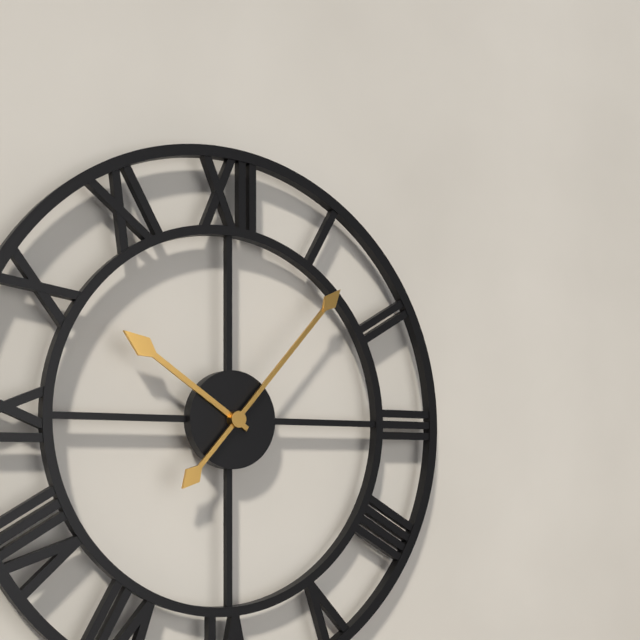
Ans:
h=10 m=7
